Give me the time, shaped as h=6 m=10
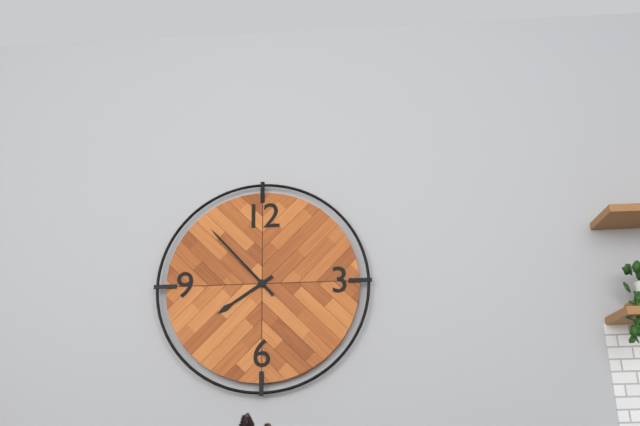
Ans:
h=7 m=53
